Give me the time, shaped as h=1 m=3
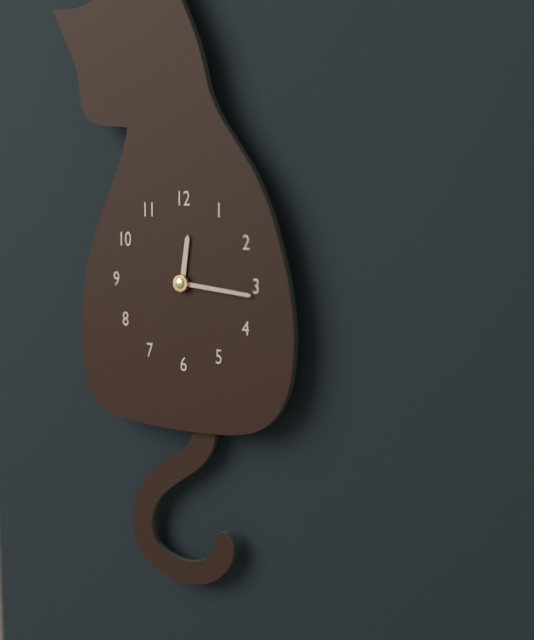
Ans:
h=12 m=16
